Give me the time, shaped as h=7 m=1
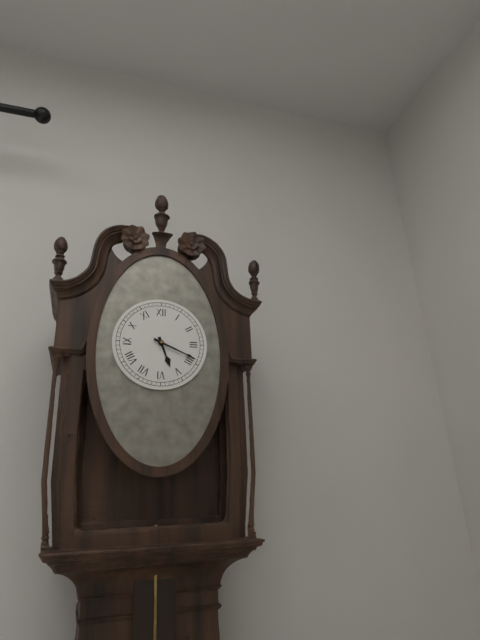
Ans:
h=5 m=19
